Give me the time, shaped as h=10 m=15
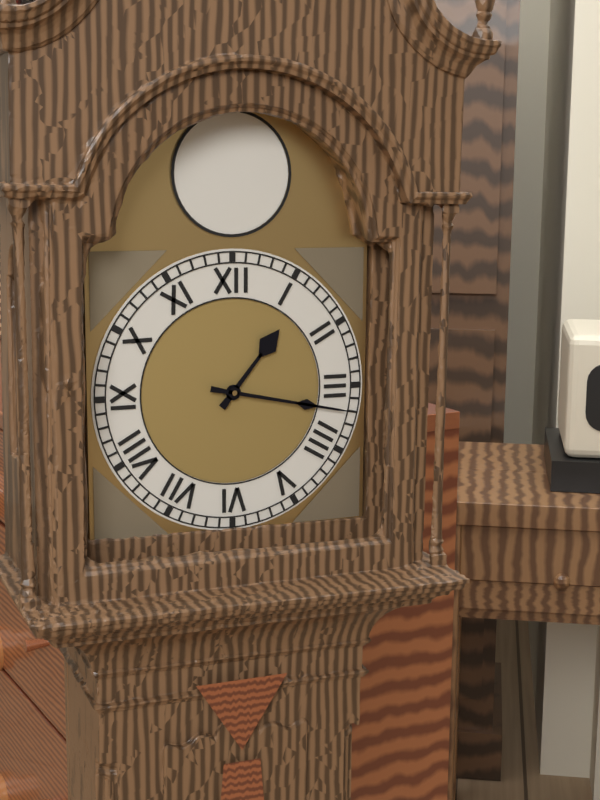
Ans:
h=1 m=17
